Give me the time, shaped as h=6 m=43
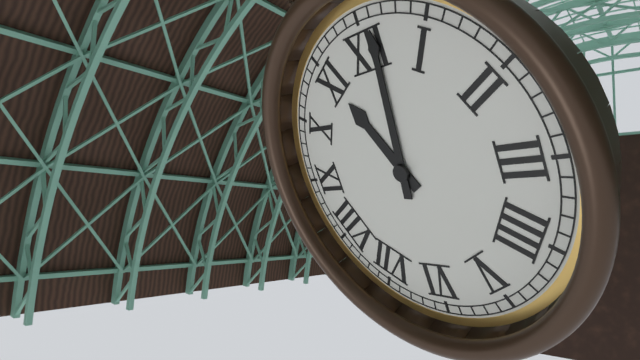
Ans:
h=11 m=1
